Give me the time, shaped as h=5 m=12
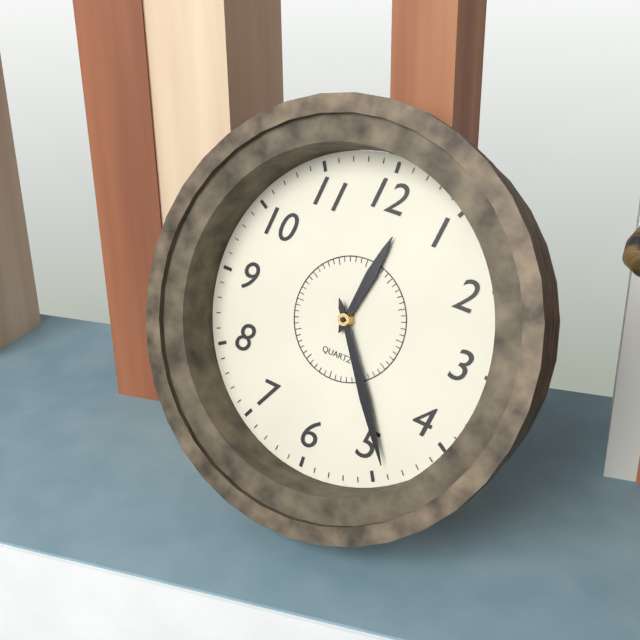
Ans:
h=12 m=24
